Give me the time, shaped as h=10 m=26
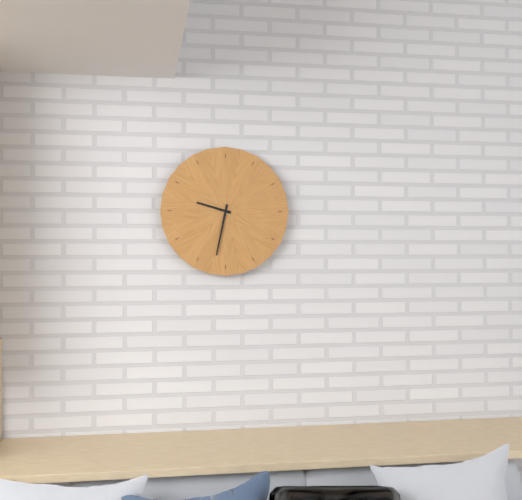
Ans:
h=9 m=32
